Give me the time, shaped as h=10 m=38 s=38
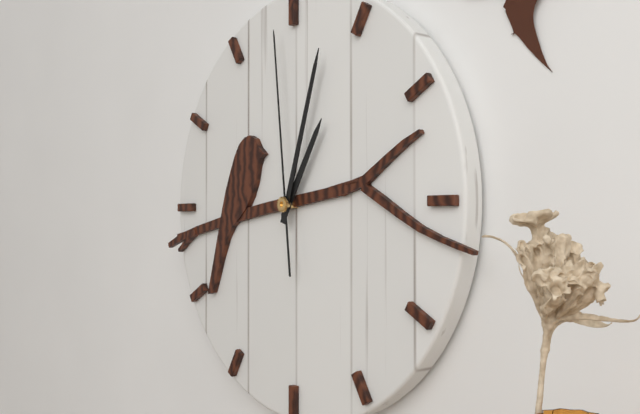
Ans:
h=1 m=3 s=59
